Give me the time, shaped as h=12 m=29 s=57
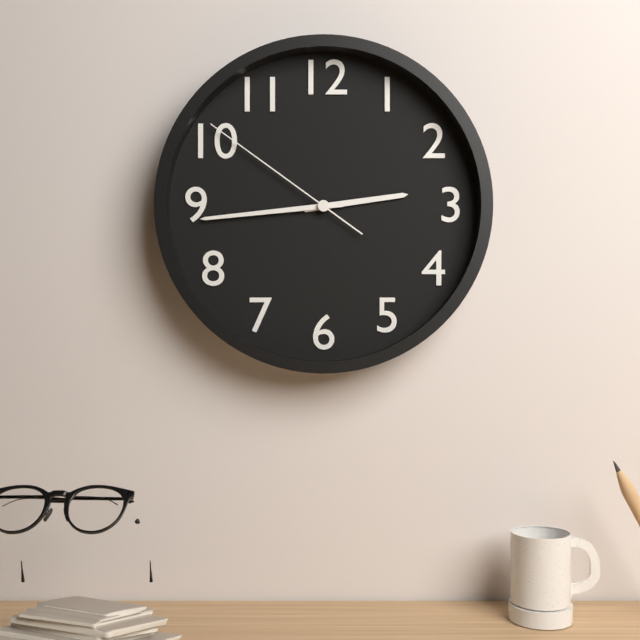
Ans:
h=2 m=44 s=51
